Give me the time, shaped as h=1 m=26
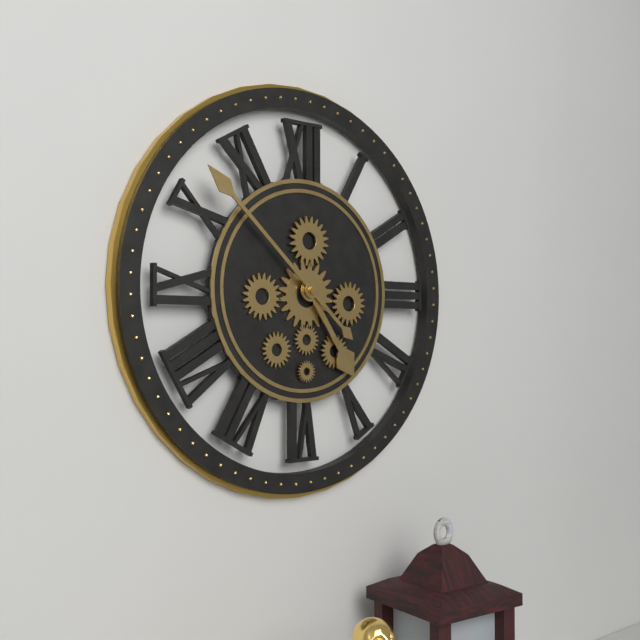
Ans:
h=4 m=52
